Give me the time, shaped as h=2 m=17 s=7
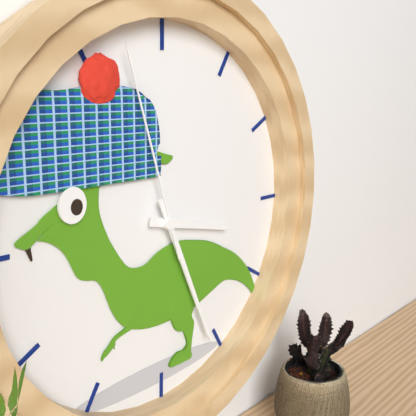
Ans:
h=3 m=26 s=57
